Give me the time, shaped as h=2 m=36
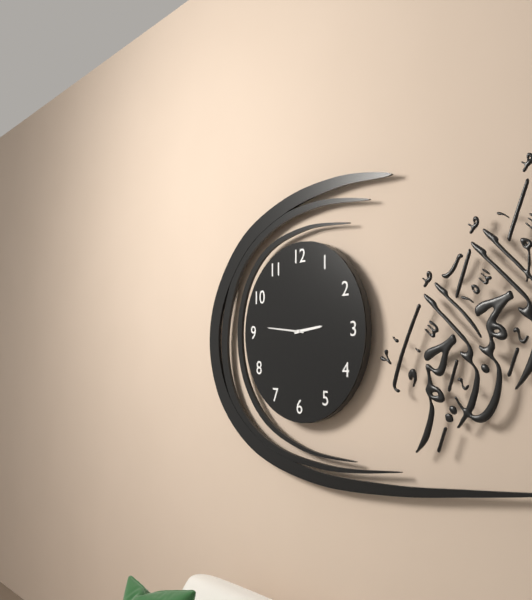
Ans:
h=2 m=46
